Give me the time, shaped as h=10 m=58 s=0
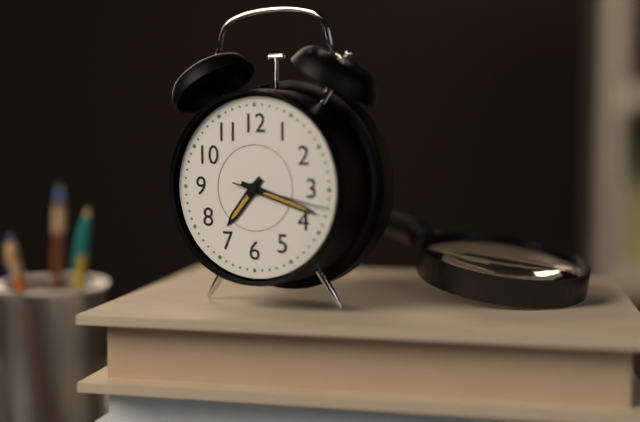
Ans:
h=7 m=18 s=17
